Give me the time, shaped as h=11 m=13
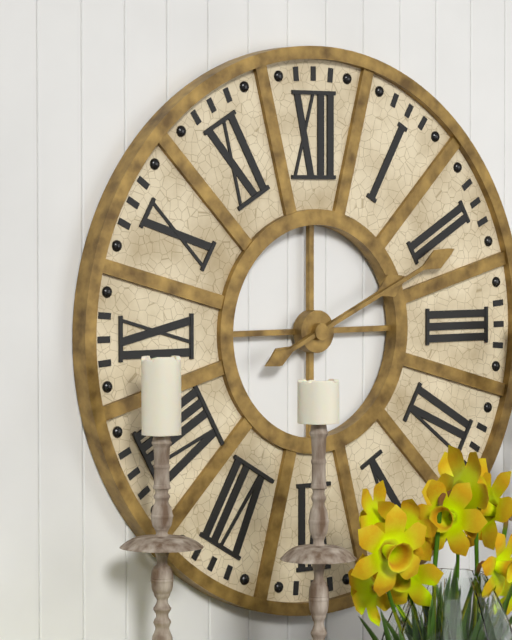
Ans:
h=2 m=11
